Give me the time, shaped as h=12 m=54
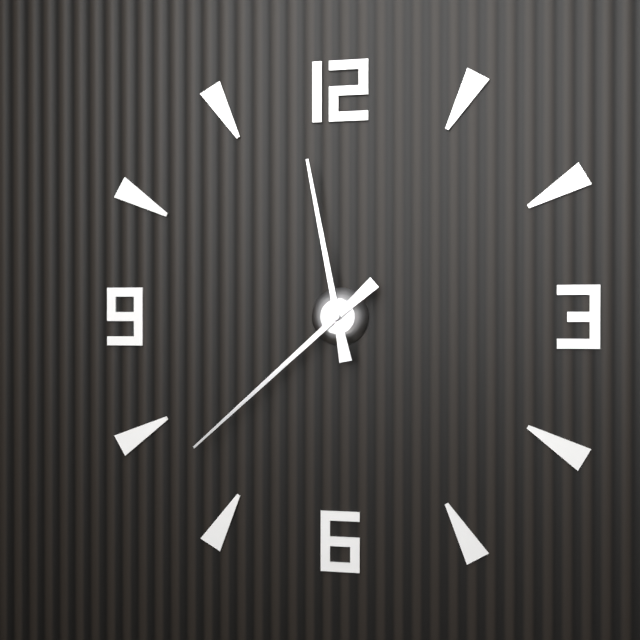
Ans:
h=11 m=38
